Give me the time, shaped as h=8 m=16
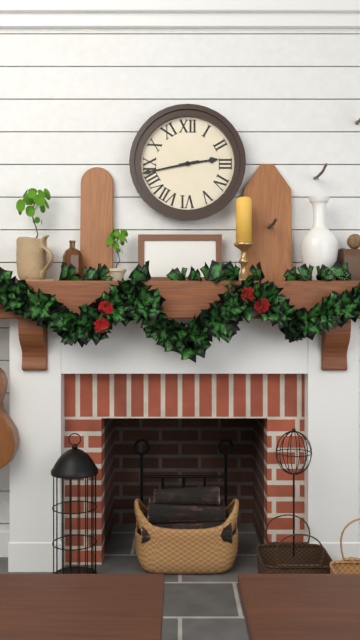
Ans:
h=2 m=43
